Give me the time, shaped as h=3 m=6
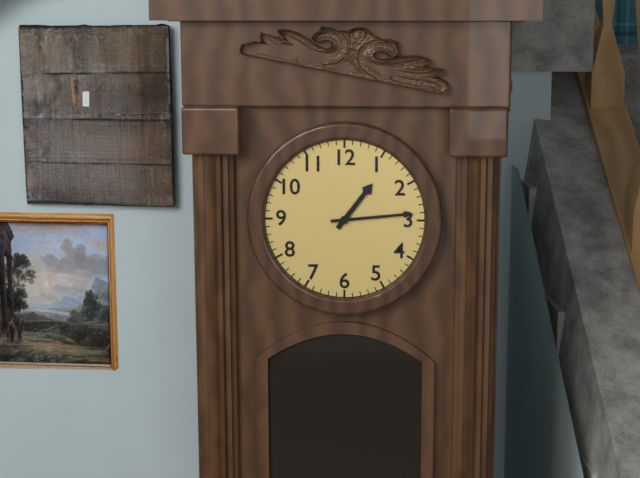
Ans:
h=1 m=14
